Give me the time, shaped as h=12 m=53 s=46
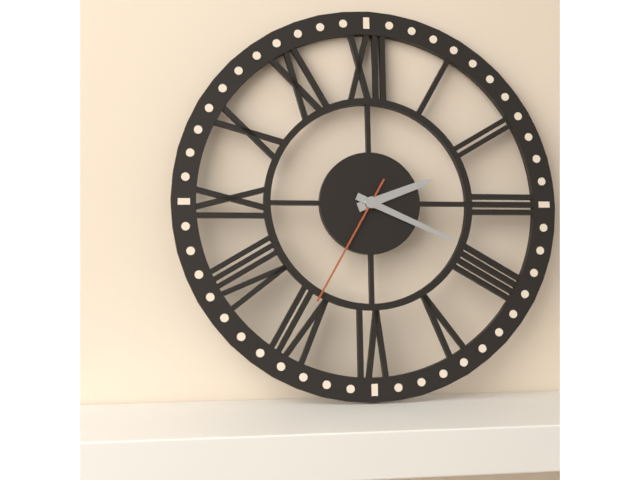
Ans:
h=2 m=19 s=35
